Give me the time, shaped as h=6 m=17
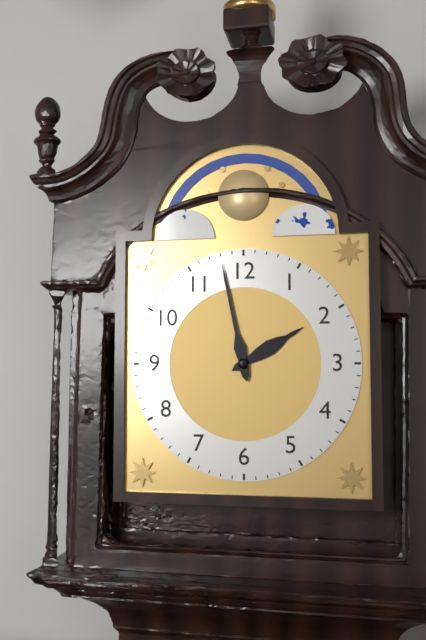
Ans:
h=1 m=58
